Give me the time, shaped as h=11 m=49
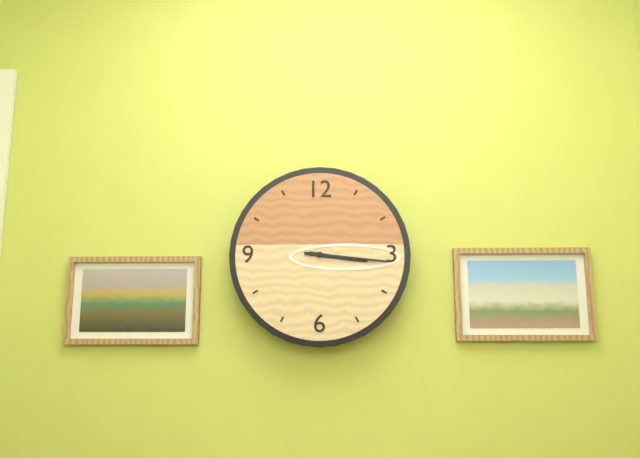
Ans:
h=3 m=16
